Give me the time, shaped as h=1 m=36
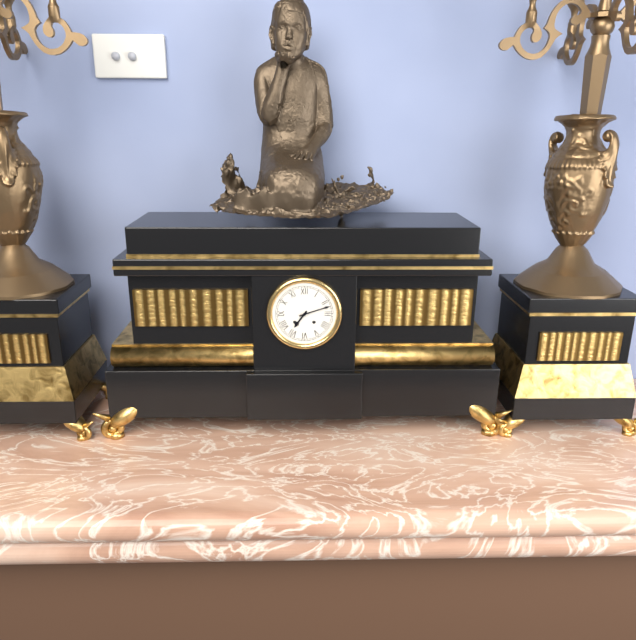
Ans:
h=7 m=12
